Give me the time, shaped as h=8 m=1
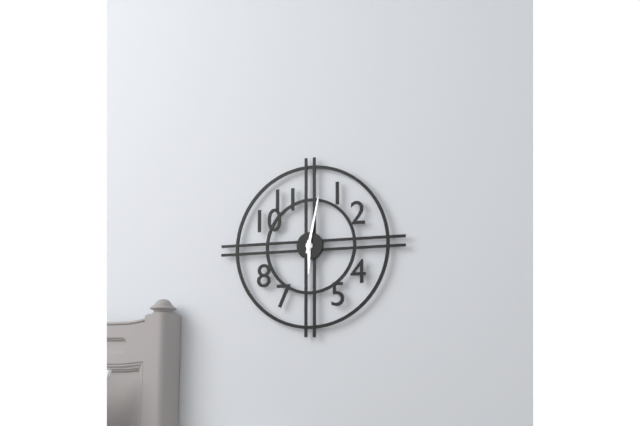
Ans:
h=6 m=2
